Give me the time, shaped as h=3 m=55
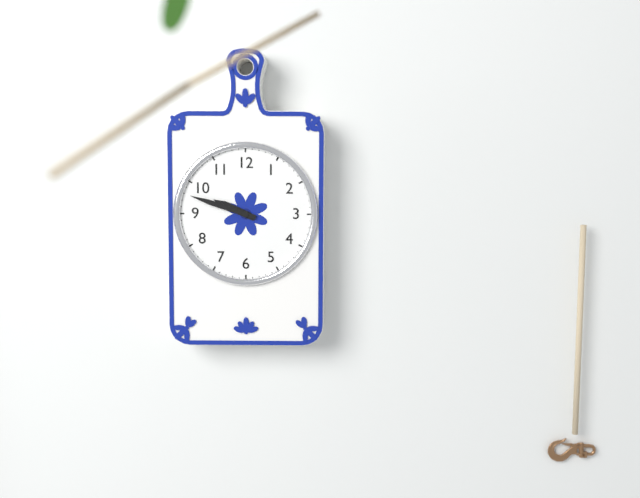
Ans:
h=9 m=48
